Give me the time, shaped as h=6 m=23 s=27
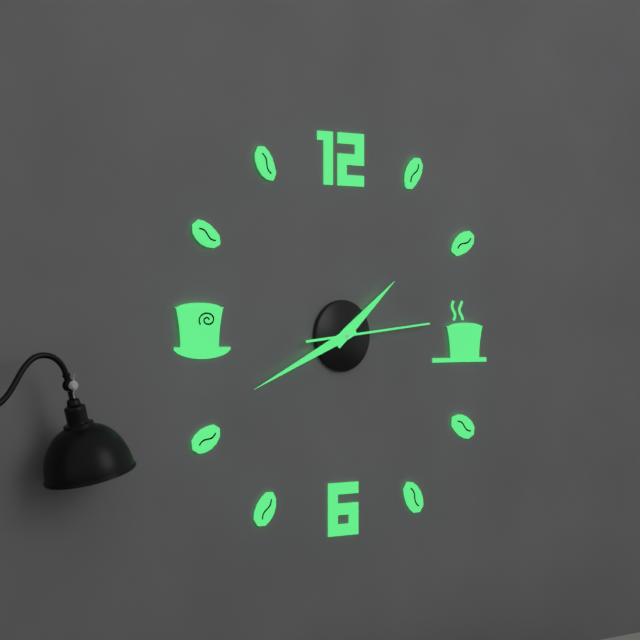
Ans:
h=1 m=41 s=14
